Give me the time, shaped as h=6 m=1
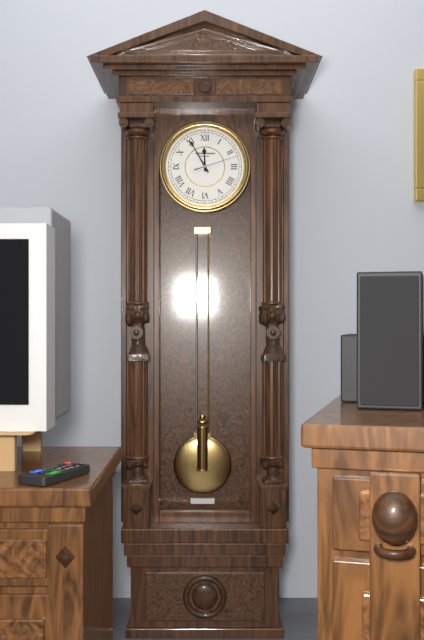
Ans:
h=11 m=55
